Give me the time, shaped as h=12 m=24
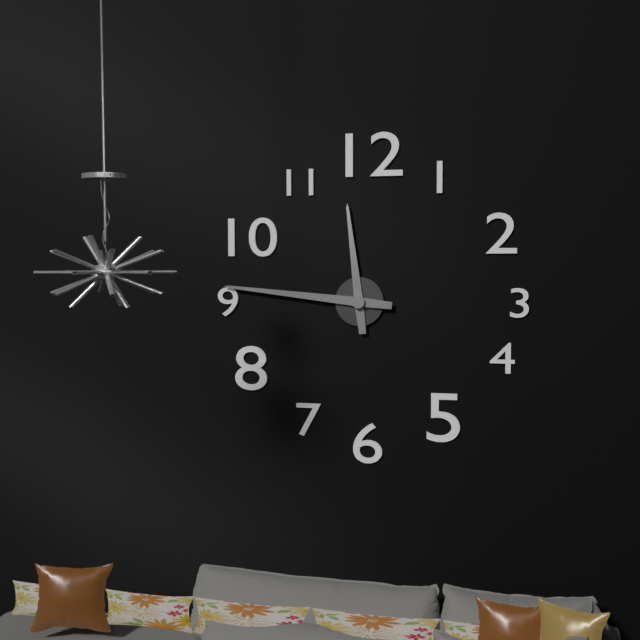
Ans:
h=11 m=46
